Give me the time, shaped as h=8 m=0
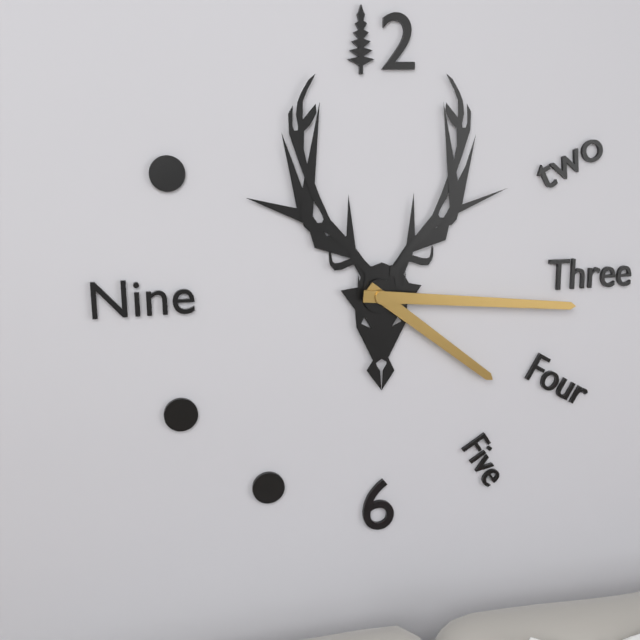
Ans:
h=4 m=16
